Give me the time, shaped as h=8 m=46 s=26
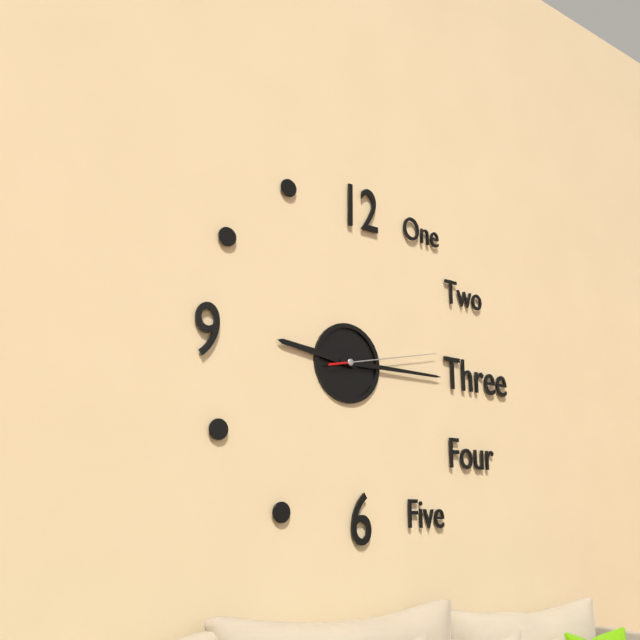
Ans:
h=9 m=15 s=13
